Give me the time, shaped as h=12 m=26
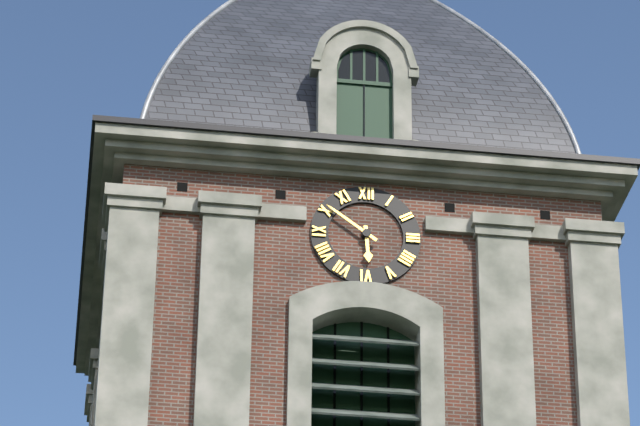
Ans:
h=5 m=51
